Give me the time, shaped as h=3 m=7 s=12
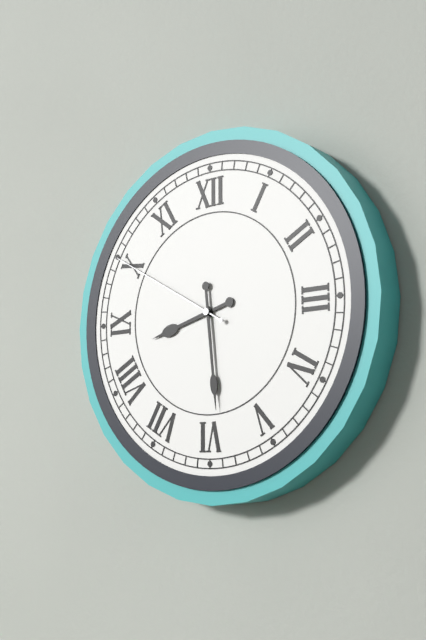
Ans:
h=8 m=29 s=50
